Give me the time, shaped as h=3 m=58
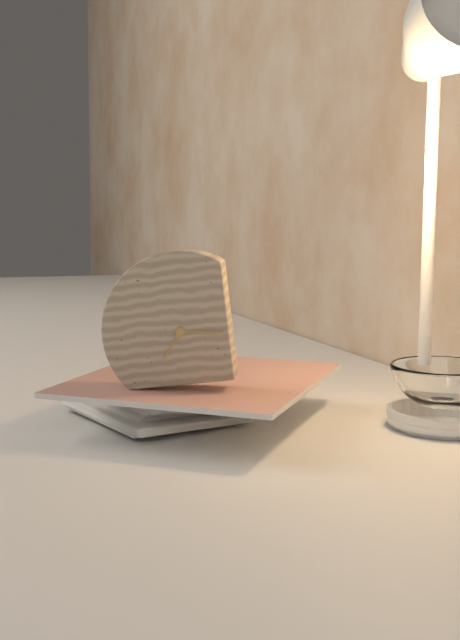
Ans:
h=7 m=16
